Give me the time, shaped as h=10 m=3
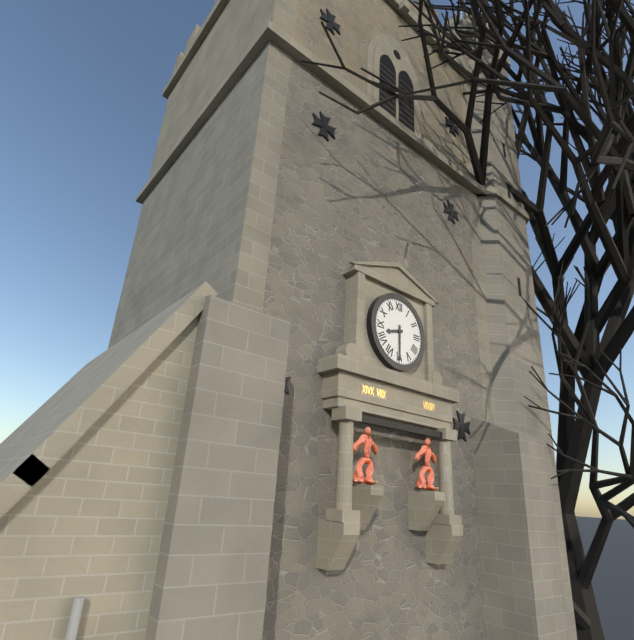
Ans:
h=8 m=30
